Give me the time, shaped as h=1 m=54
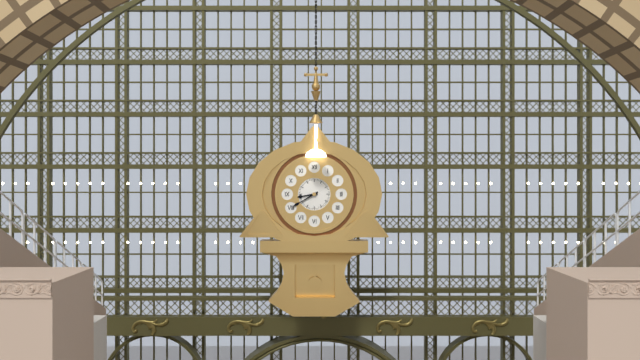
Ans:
h=8 m=40
